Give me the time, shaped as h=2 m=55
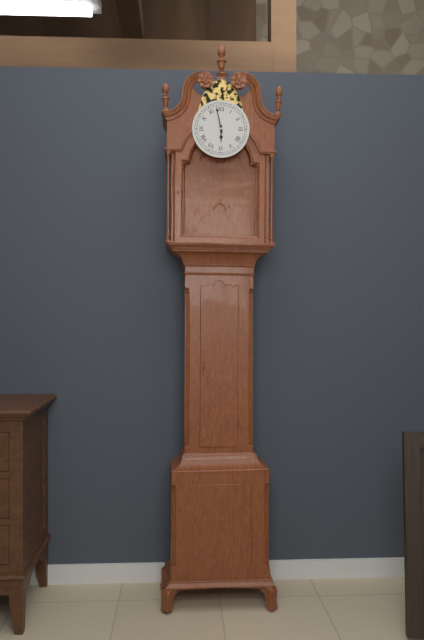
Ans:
h=5 m=58
